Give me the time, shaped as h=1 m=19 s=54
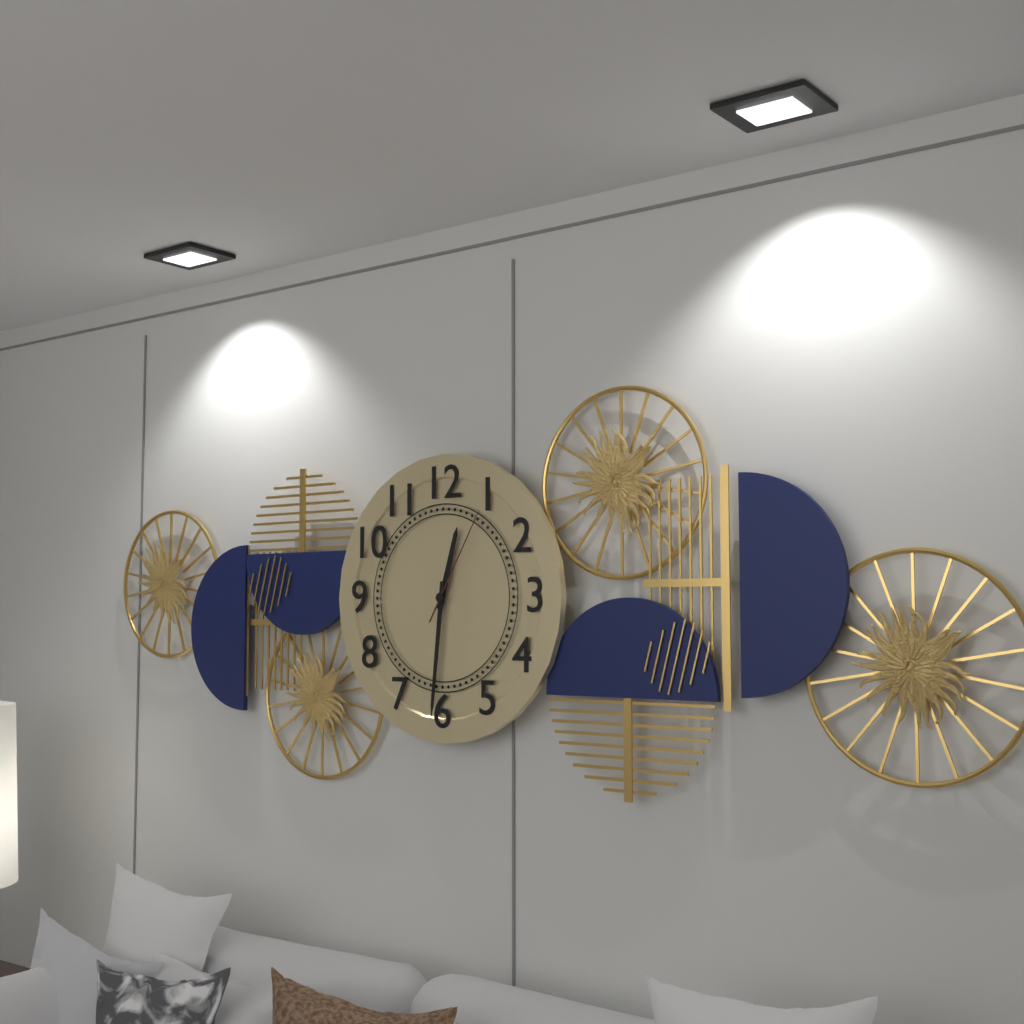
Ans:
h=12 m=31 s=5
